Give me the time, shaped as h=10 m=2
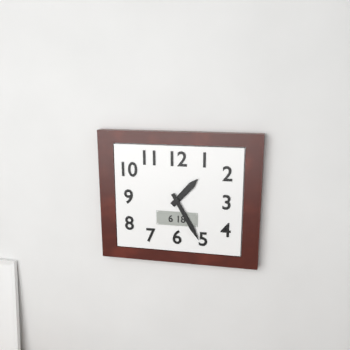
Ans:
h=1 m=25
